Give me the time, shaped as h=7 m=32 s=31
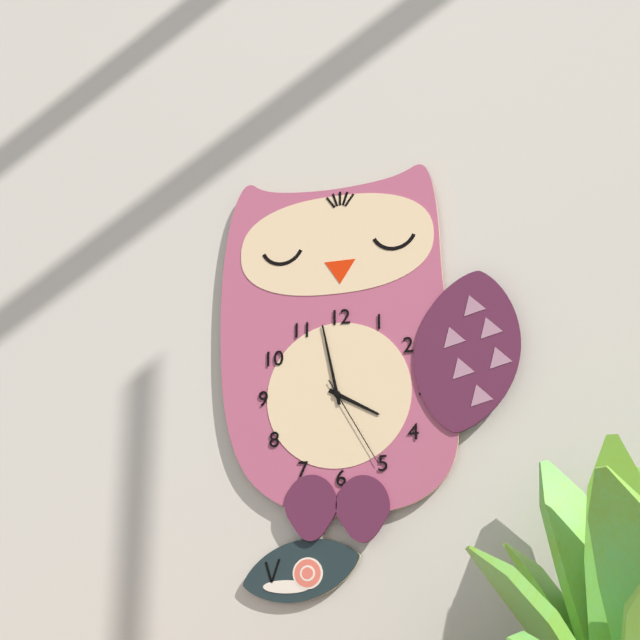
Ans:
h=3 m=58 s=25
